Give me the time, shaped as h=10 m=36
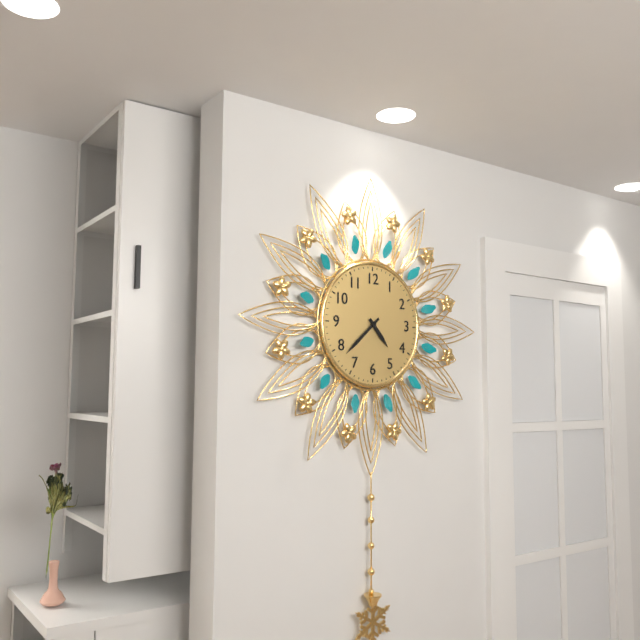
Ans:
h=4 m=38
